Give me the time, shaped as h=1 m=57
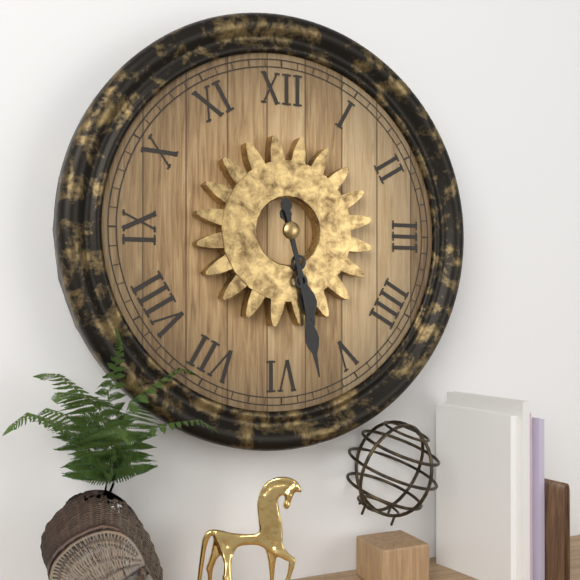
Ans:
h=5 m=28
